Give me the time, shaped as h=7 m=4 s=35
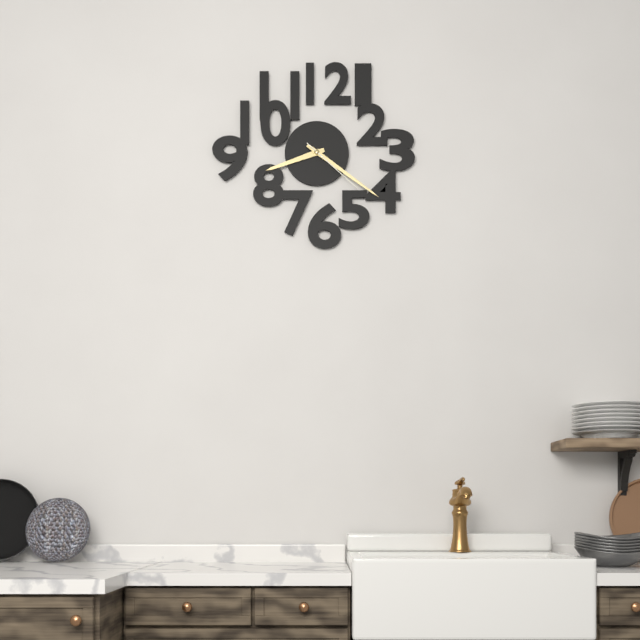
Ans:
h=8 m=21 s=22
